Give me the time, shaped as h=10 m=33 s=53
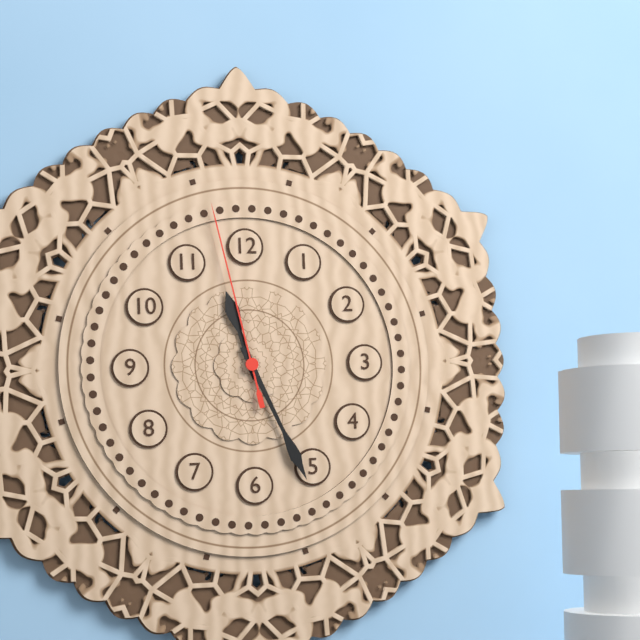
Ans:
h=11 m=26 s=58
